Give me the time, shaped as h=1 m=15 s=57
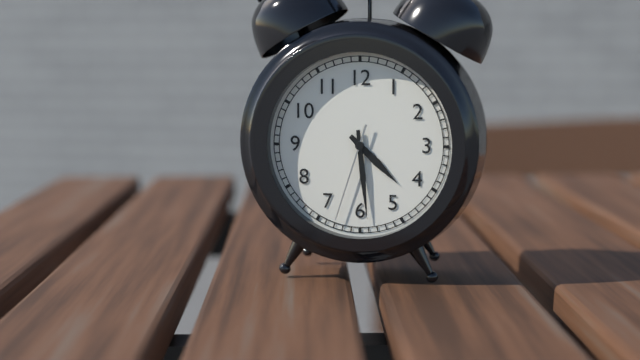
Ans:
h=4 m=29 s=33
